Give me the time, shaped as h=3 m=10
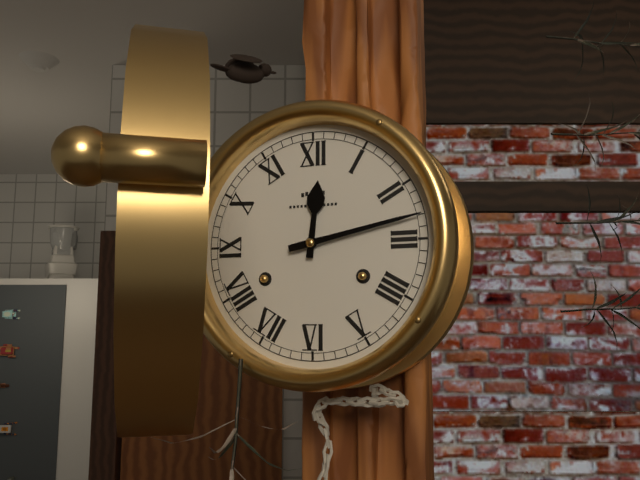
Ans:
h=12 m=13
